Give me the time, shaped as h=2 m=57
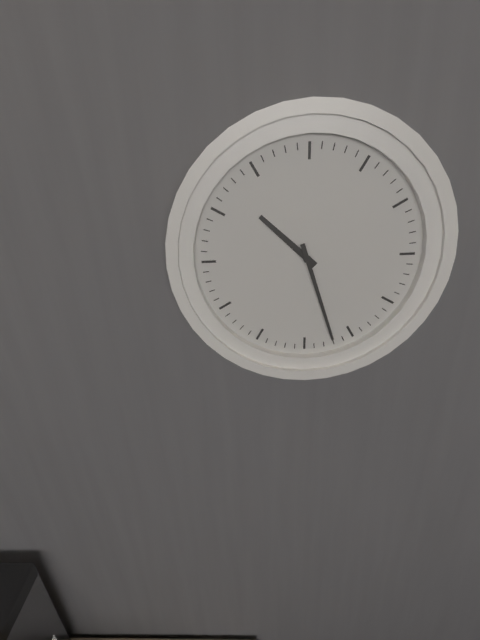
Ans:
h=10 m=27
